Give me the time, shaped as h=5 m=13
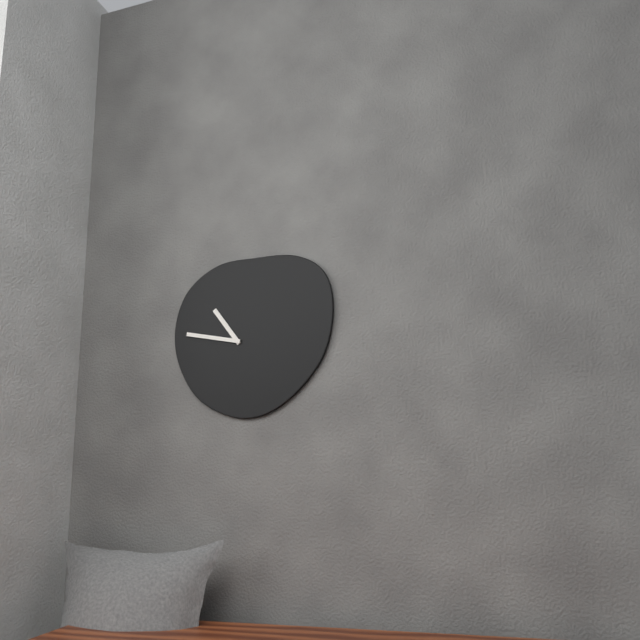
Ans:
h=10 m=47
